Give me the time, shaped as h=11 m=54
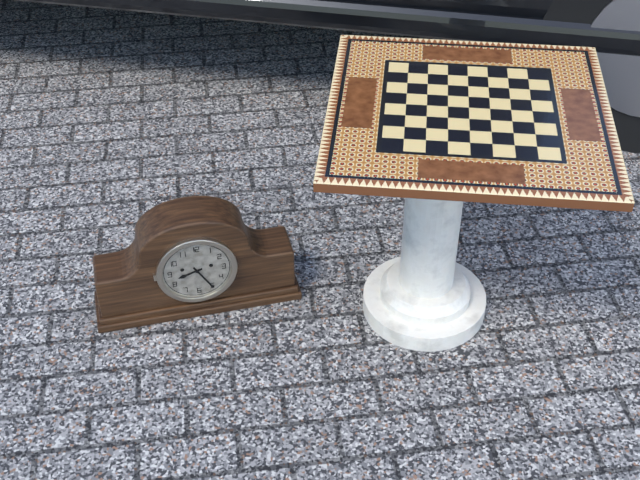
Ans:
h=8 m=25
